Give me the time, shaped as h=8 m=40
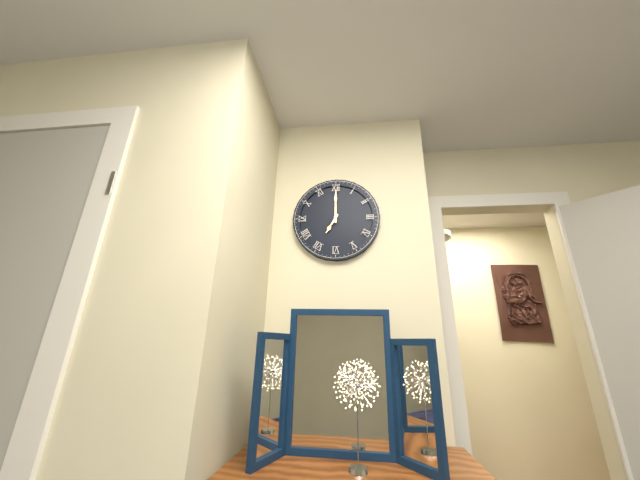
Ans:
h=7 m=0
